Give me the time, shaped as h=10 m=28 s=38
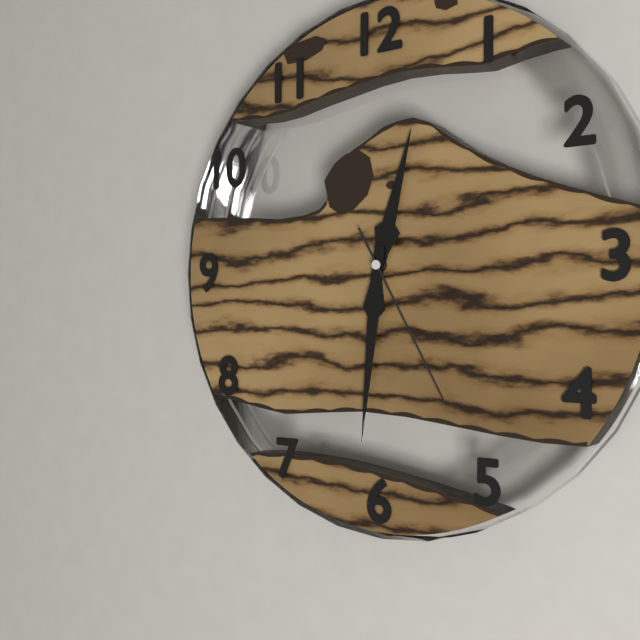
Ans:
h=12 m=31 s=25
